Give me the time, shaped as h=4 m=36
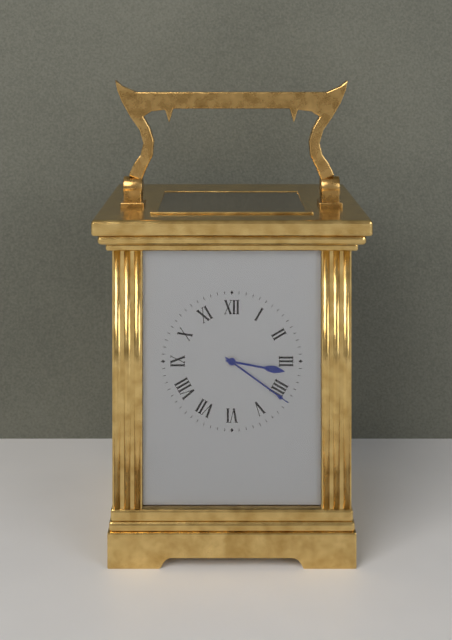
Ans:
h=3 m=21
